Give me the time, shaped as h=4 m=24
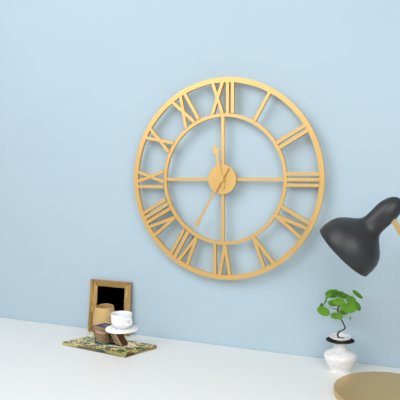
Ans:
h=11 m=35
